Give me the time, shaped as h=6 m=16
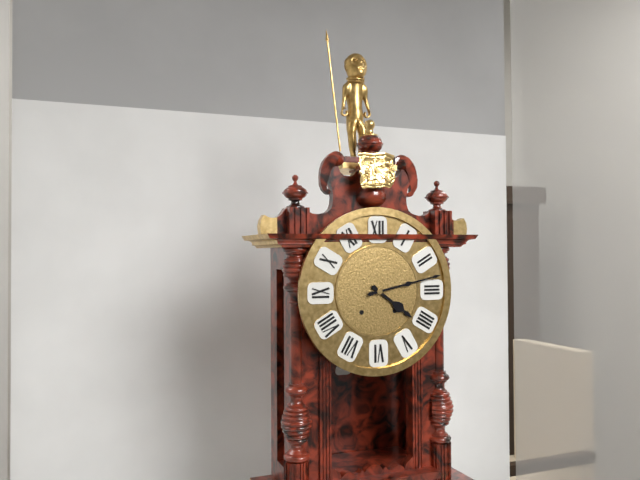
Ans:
h=4 m=13
